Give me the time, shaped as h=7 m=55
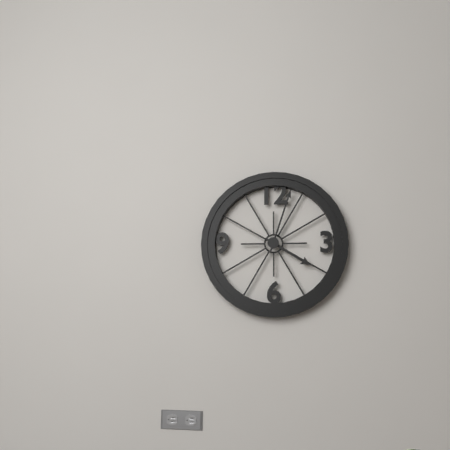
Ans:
h=4 m=3
